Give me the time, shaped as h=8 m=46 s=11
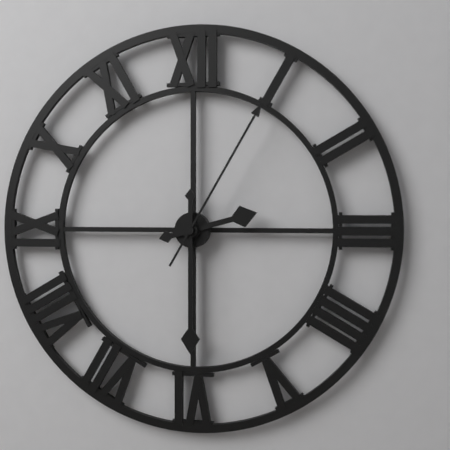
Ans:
h=2 m=30 s=5
